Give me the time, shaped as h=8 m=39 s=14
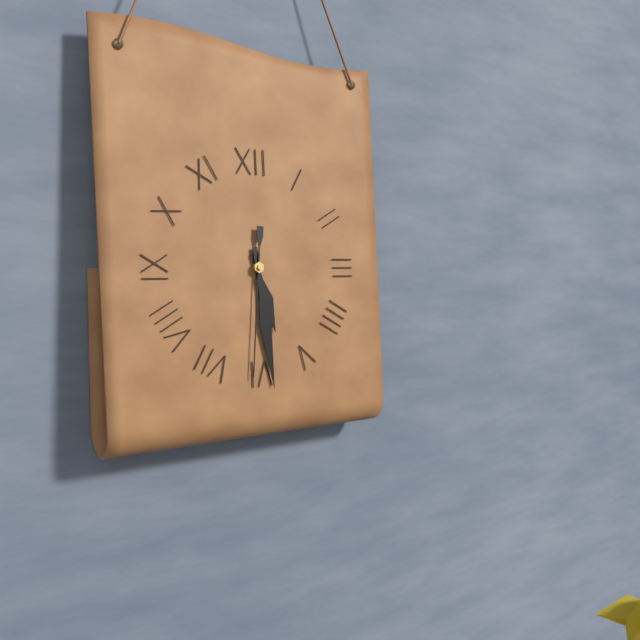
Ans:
h=5 m=29 s=31
